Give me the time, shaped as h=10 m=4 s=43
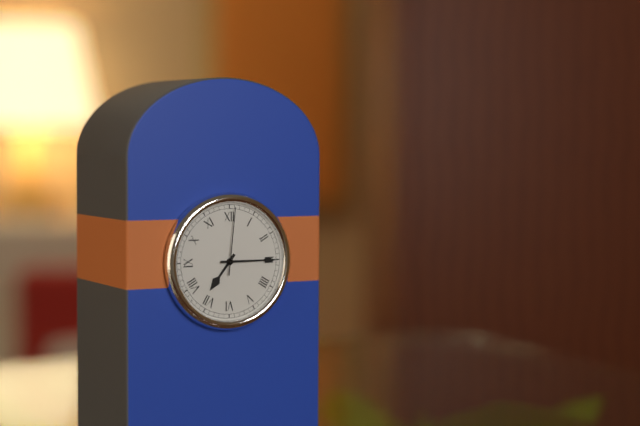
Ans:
h=7 m=15 s=1
